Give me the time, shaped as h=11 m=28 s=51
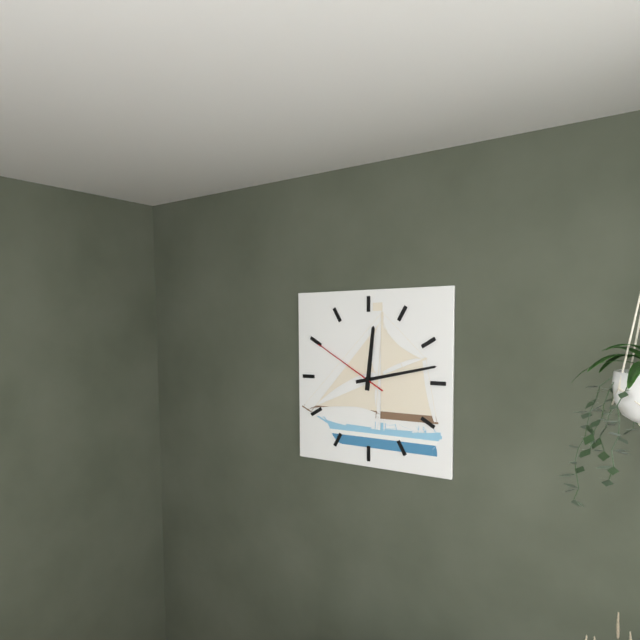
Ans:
h=12 m=13 s=50
